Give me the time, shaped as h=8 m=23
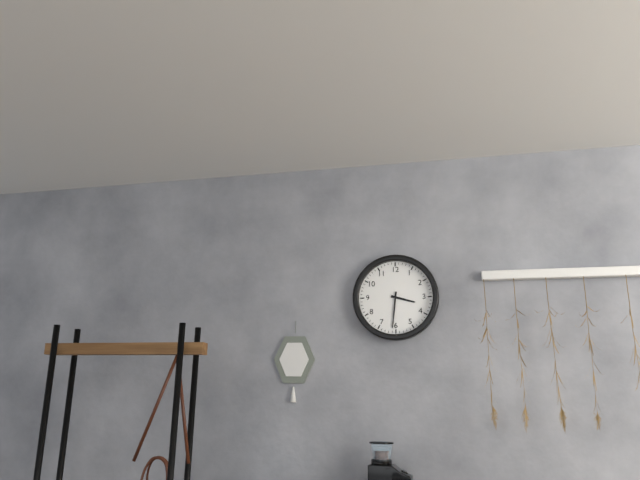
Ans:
h=3 m=31
